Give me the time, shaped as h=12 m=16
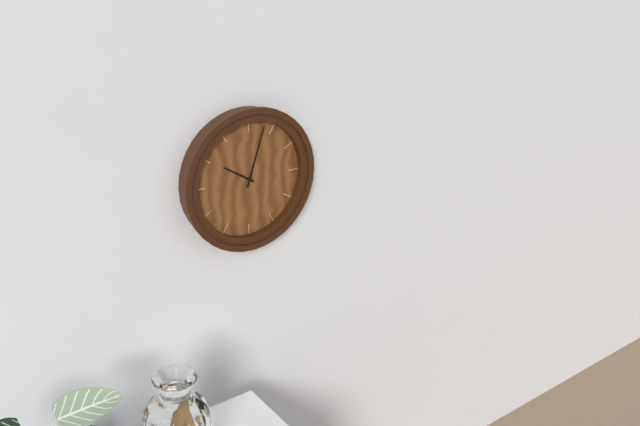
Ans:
h=10 m=3
